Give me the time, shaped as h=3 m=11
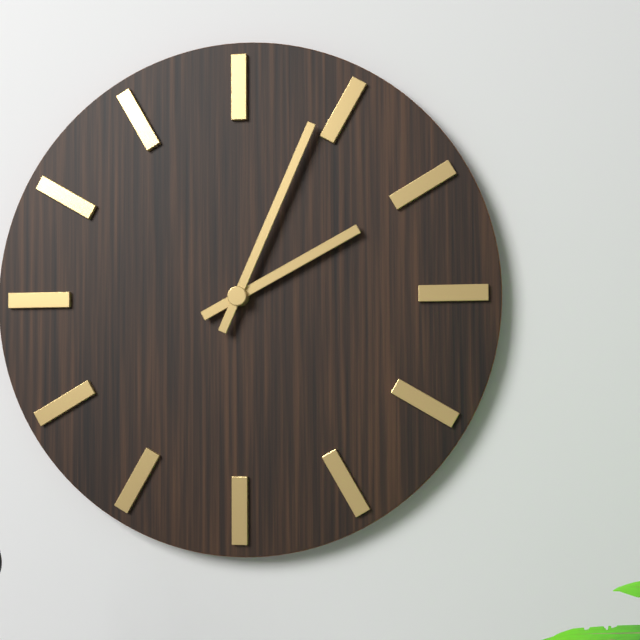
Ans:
h=2 m=4
